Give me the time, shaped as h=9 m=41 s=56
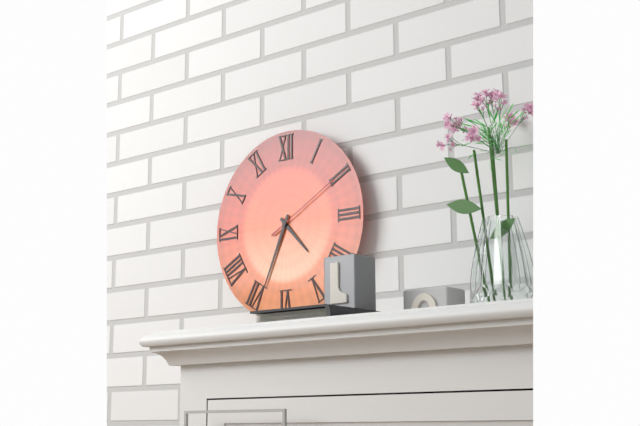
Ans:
h=4 m=34 s=10
